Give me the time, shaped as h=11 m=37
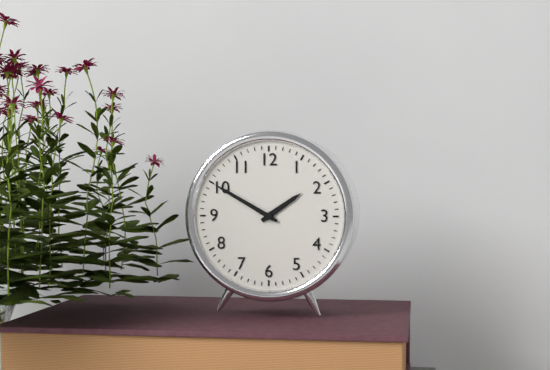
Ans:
h=1 m=50
